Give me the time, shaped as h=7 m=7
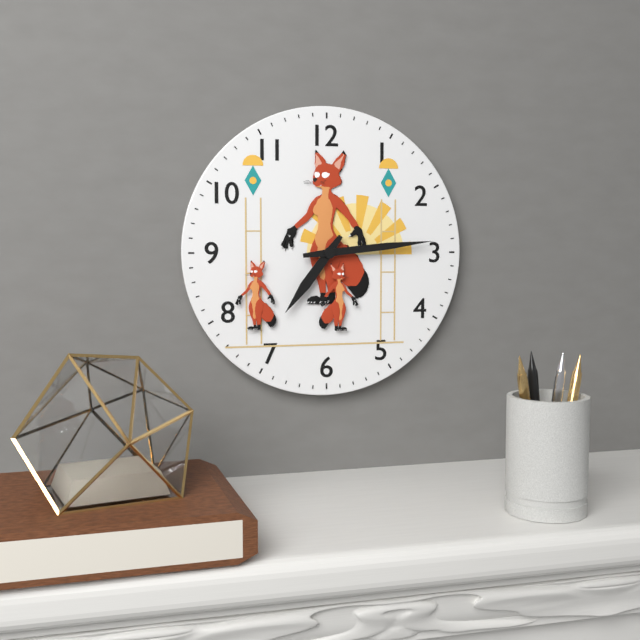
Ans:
h=7 m=14
